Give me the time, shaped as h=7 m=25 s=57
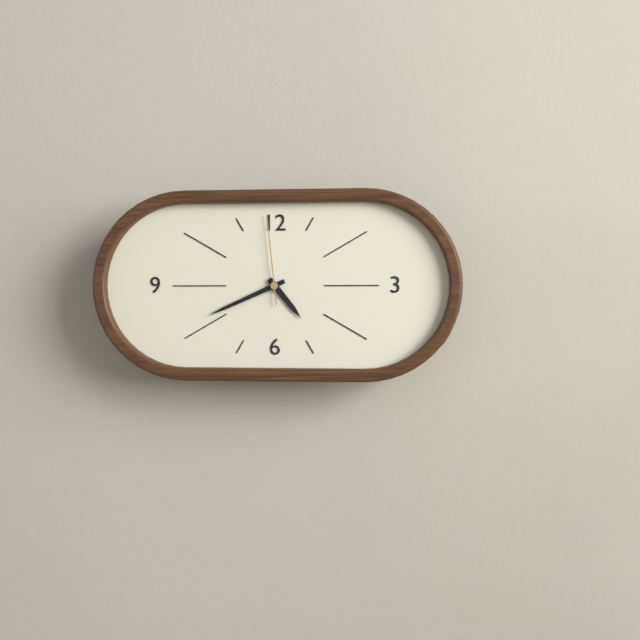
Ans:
h=4 m=41 s=59
